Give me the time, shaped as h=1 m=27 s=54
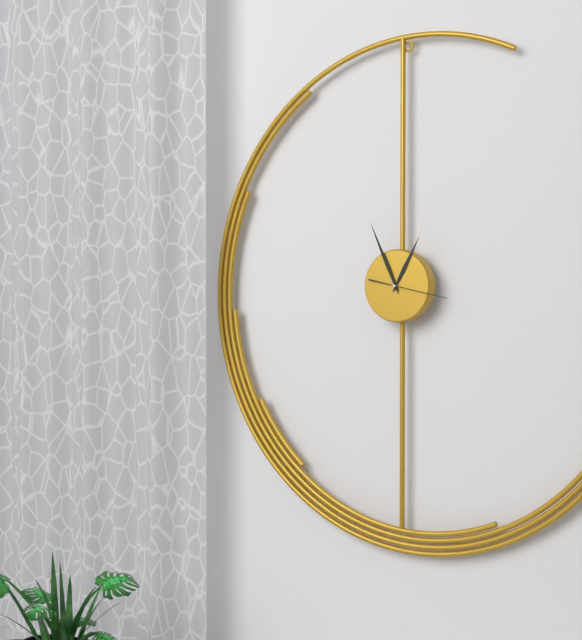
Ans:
h=12 m=56 s=17
